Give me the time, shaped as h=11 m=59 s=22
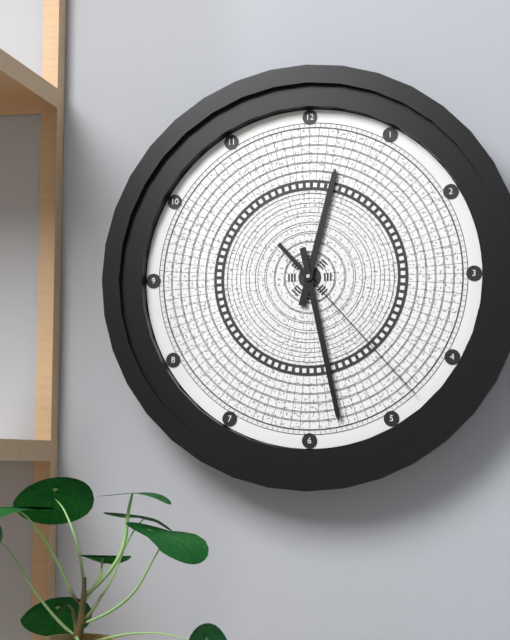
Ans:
h=12 m=28 s=23
